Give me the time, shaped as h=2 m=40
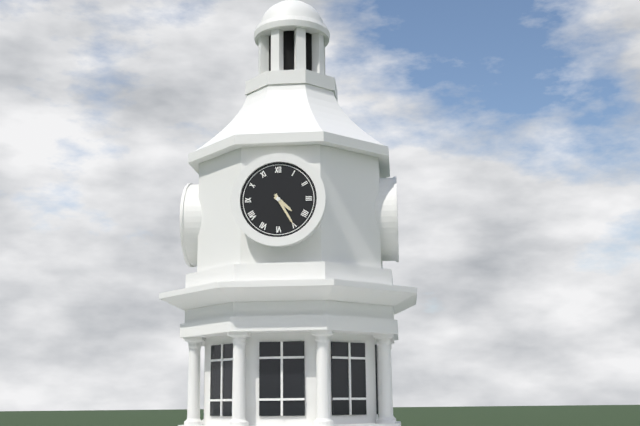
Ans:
h=4 m=25
